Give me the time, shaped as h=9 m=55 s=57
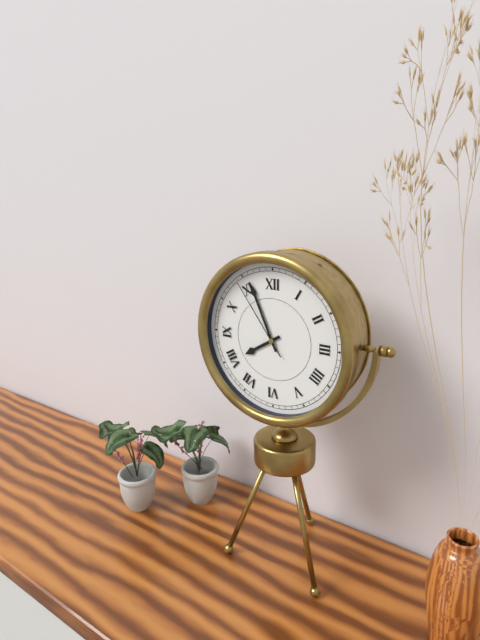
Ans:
h=7 m=56 s=54
